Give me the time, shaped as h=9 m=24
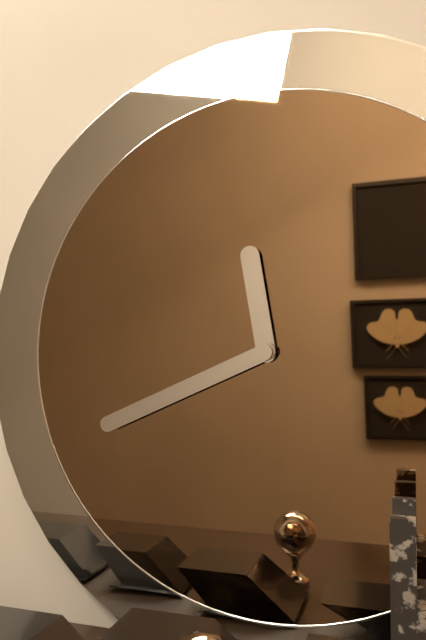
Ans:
h=11 m=41
